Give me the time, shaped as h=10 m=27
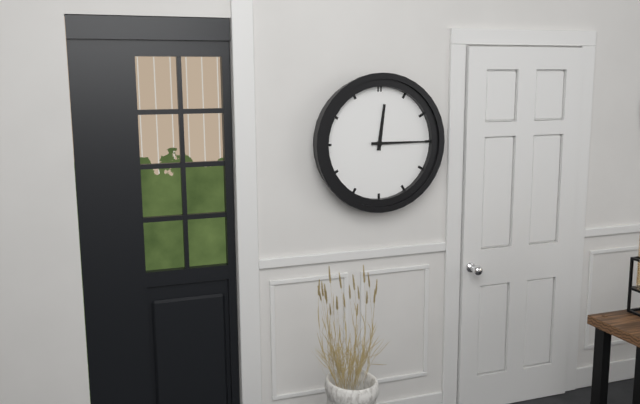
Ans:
h=12 m=15
